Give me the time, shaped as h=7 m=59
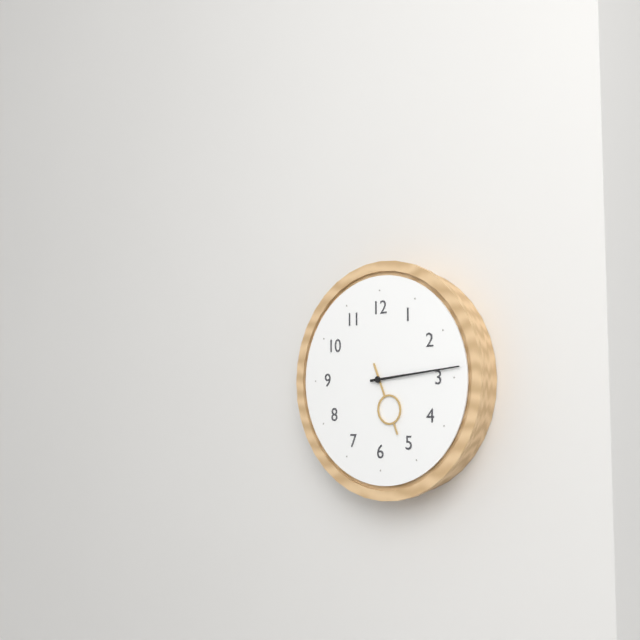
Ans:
h=5 m=14
